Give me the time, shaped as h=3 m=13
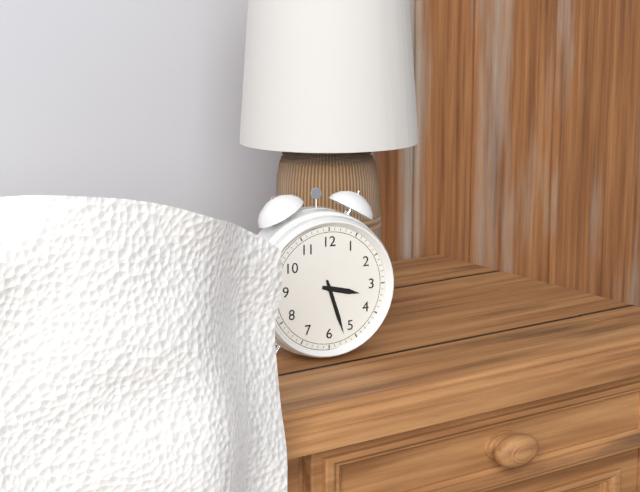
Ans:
h=3 m=27
